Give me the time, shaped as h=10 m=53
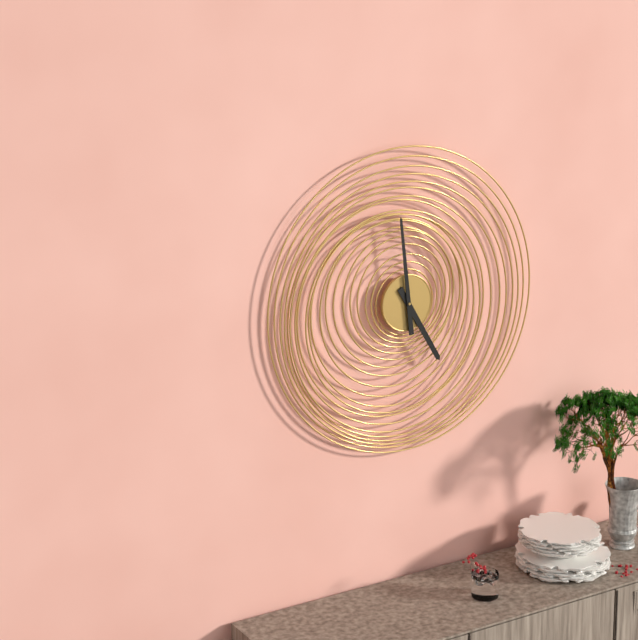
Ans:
h=4 m=59
